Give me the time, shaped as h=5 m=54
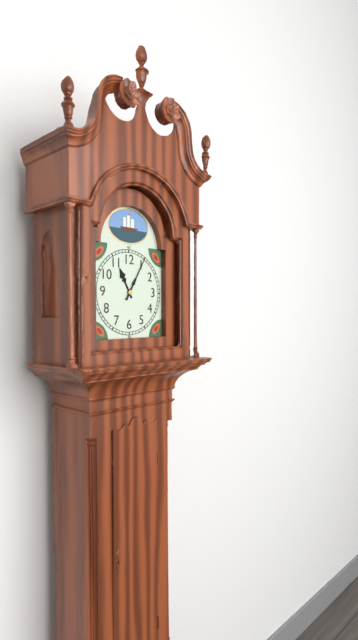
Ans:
h=11 m=5
